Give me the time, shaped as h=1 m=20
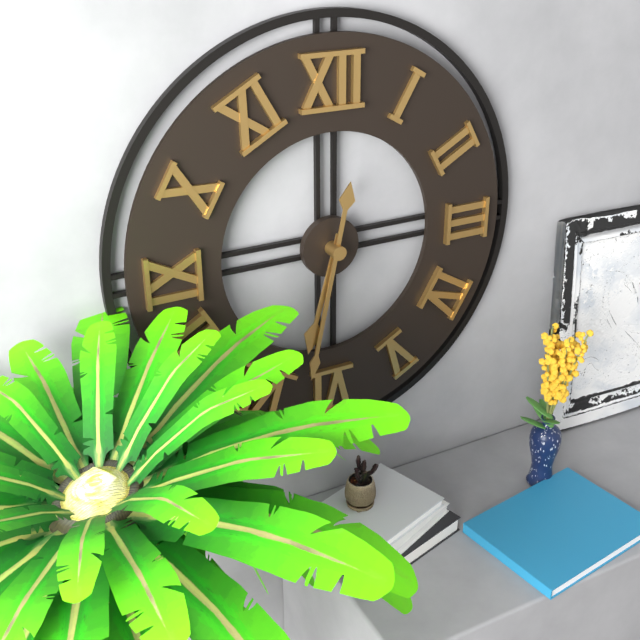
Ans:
h=6 m=32
